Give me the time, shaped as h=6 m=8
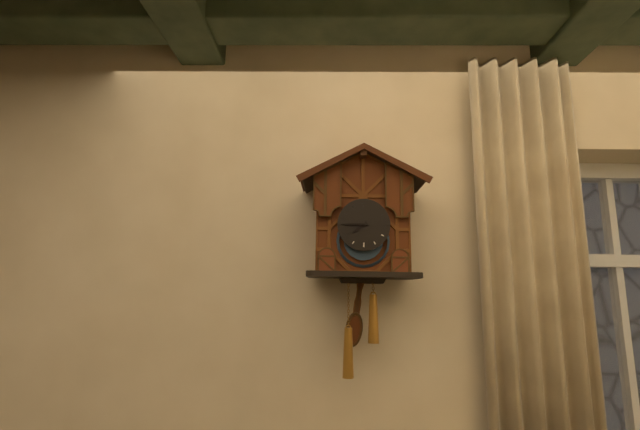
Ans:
h=7 m=45
